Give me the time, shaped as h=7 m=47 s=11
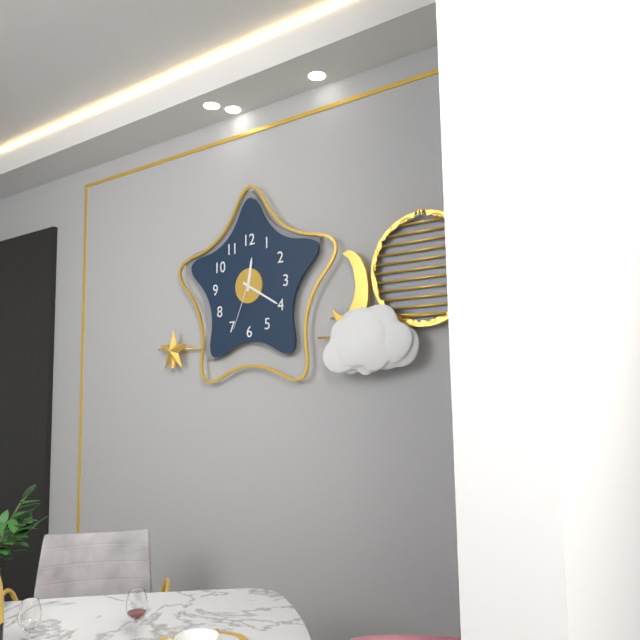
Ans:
h=12 m=20 s=34
